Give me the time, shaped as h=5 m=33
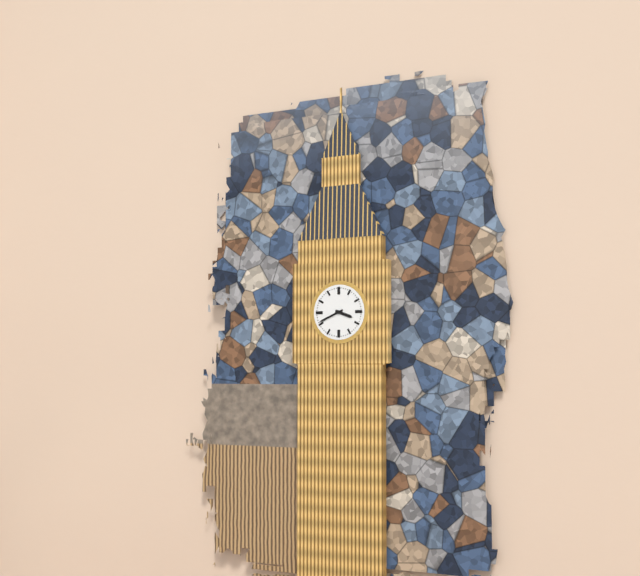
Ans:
h=3 m=41
